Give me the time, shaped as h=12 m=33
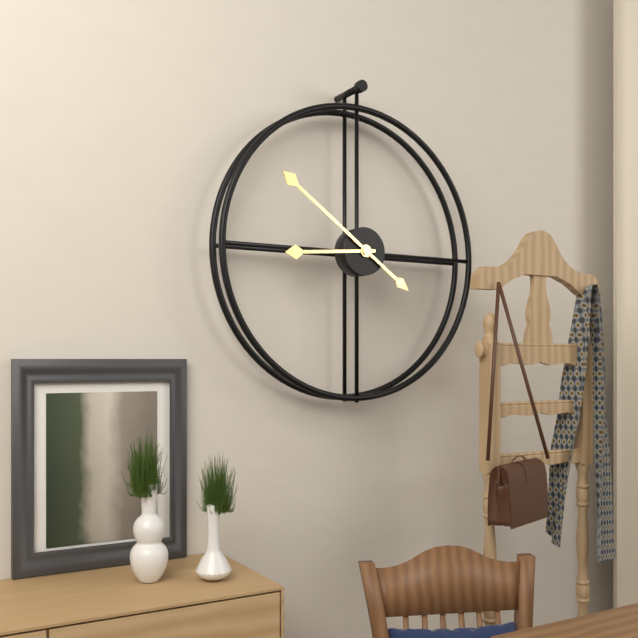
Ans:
h=8 m=51
